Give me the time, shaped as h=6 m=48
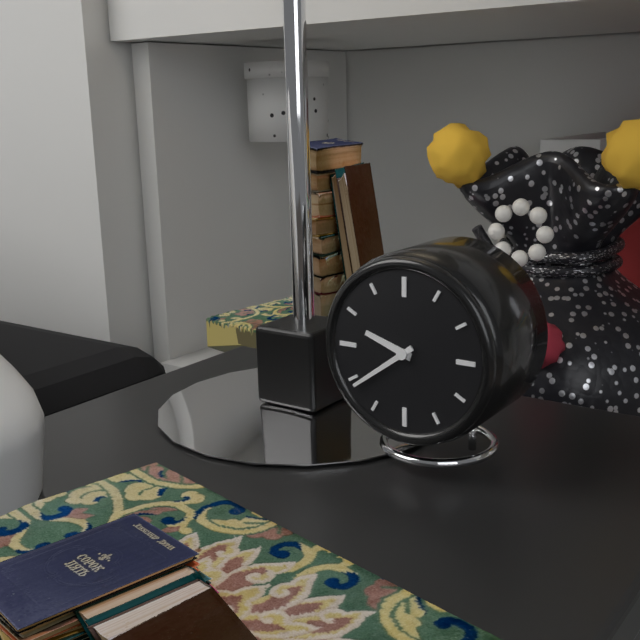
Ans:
h=9 m=39
